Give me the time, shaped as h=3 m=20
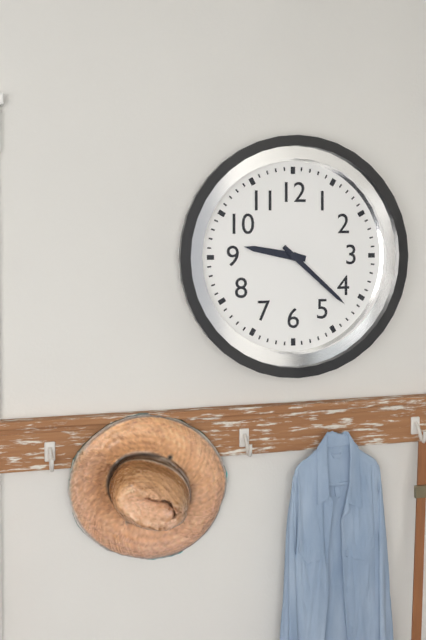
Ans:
h=9 m=22
